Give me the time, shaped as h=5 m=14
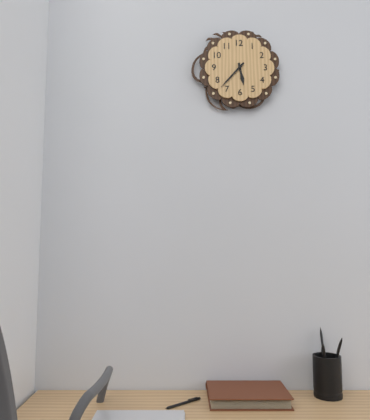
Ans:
h=5 m=37
